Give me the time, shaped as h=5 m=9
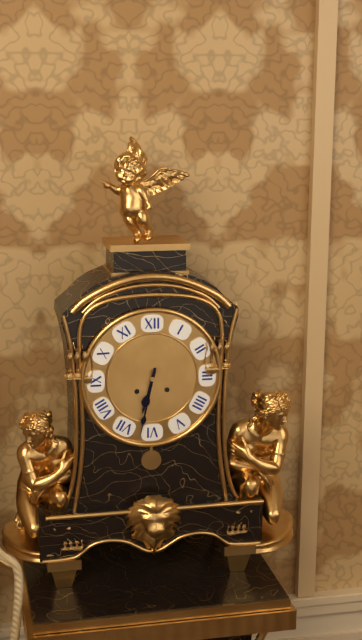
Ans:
h=6 m=32
